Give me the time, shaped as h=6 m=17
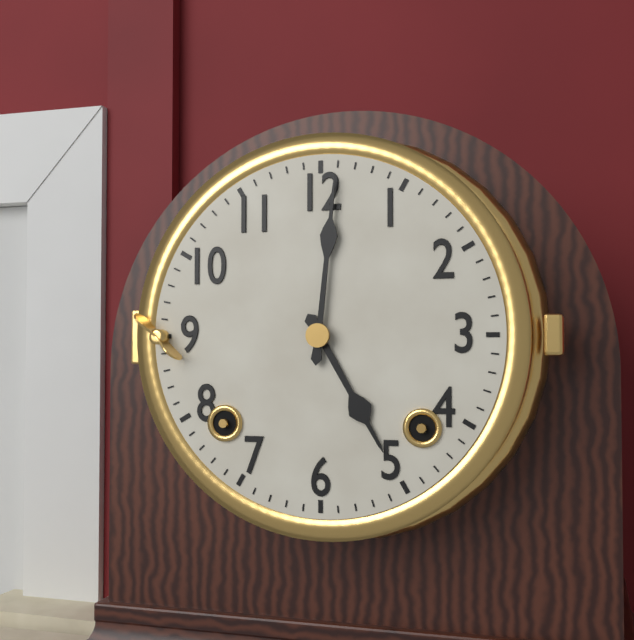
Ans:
h=5 m=1
